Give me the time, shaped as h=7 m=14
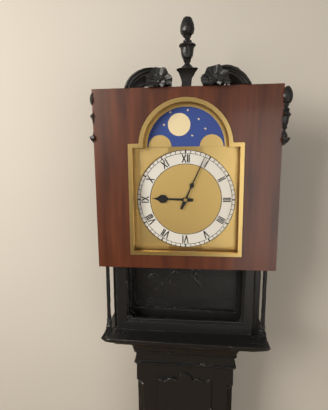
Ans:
h=9 m=4
